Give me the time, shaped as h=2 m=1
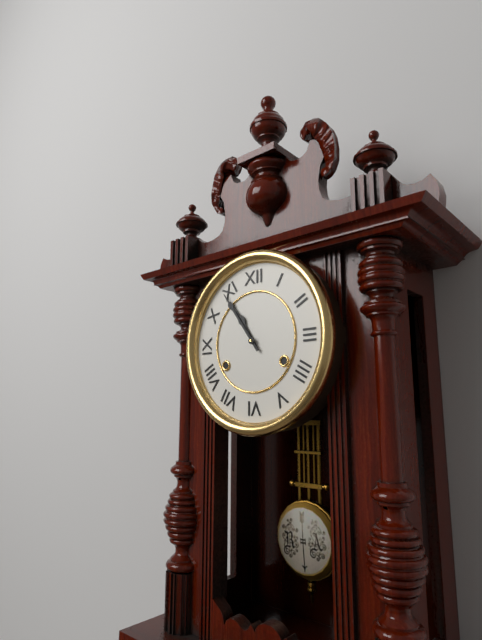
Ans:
h=10 m=54
